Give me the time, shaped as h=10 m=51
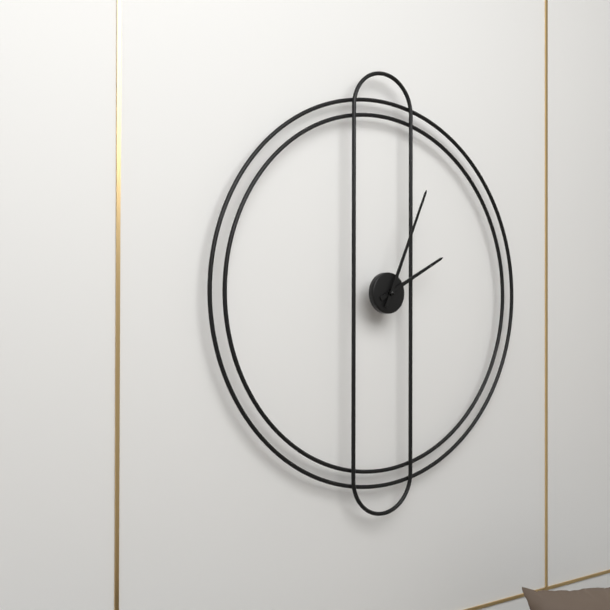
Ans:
h=2 m=4
